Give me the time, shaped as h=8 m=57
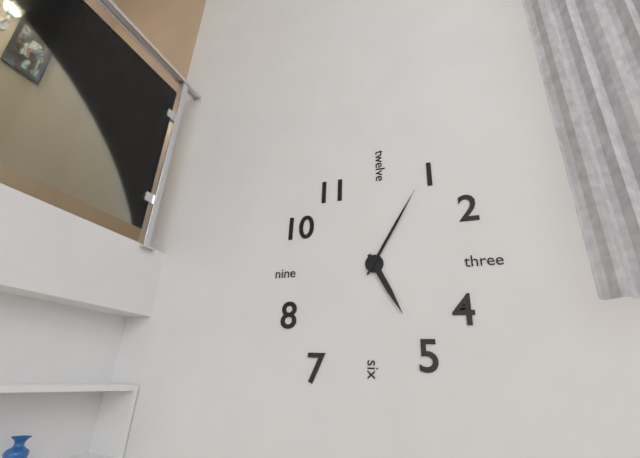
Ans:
h=5 m=5
